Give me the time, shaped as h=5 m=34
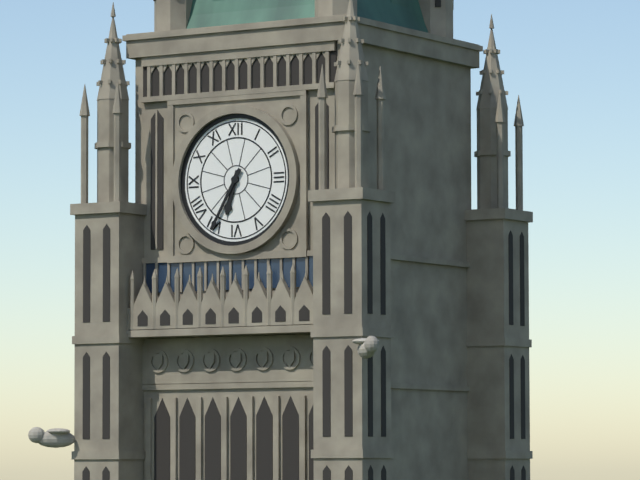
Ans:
h=6 m=35
